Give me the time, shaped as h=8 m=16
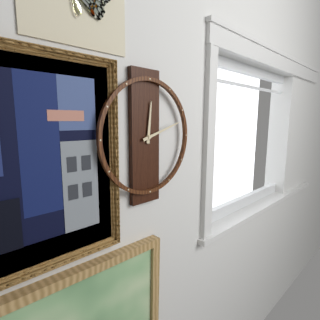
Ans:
h=12 m=12
